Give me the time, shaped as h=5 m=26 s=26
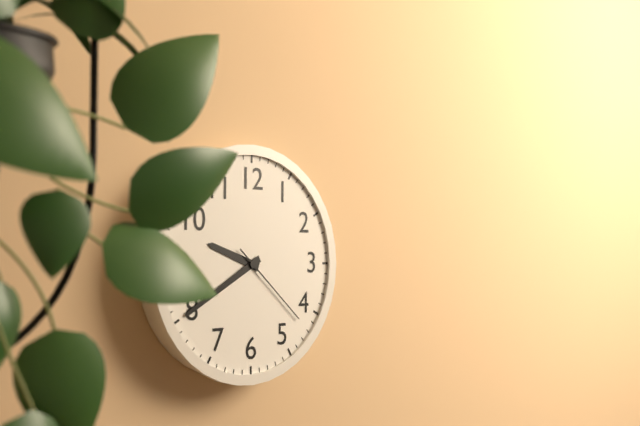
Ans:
h=9 m=40 s=22
